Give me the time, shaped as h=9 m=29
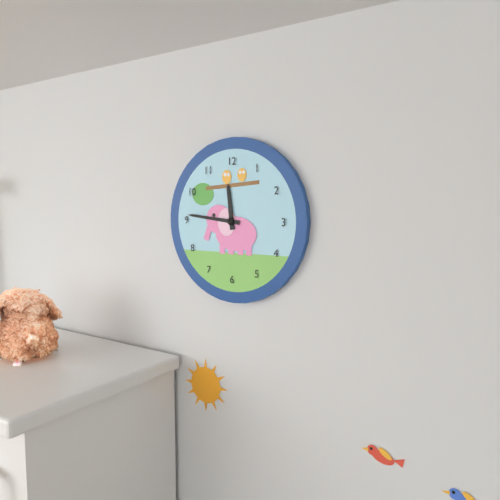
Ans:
h=11 m=46
